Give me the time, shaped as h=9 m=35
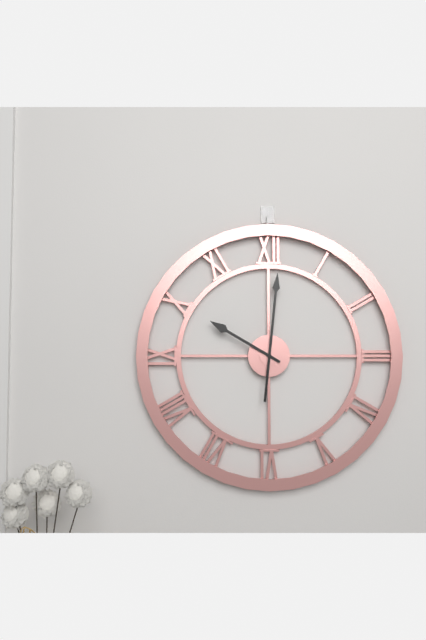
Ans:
h=10 m=1
